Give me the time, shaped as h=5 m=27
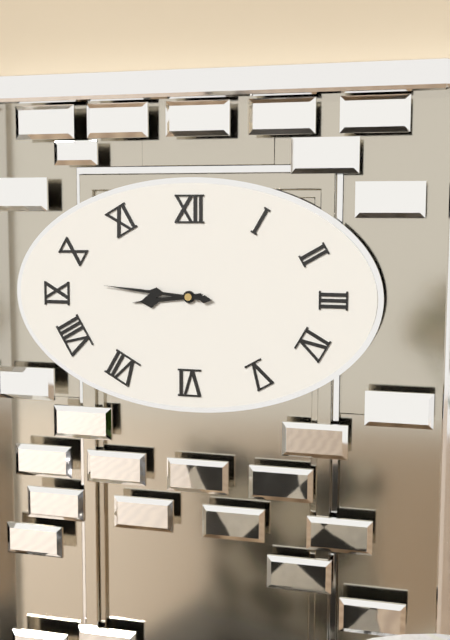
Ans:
h=8 m=46
